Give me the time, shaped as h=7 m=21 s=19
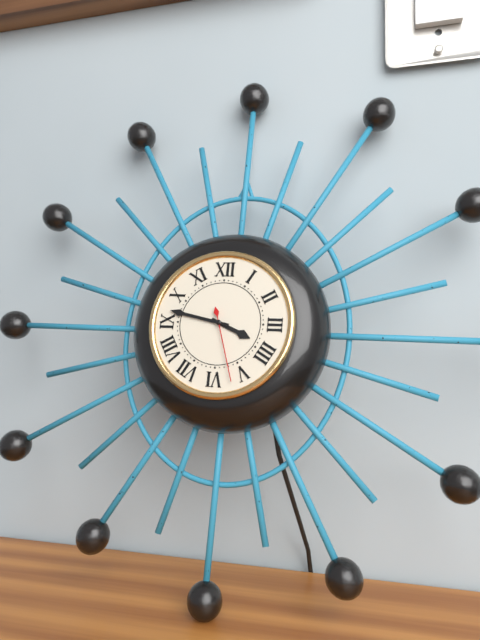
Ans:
h=3 m=47 s=27
